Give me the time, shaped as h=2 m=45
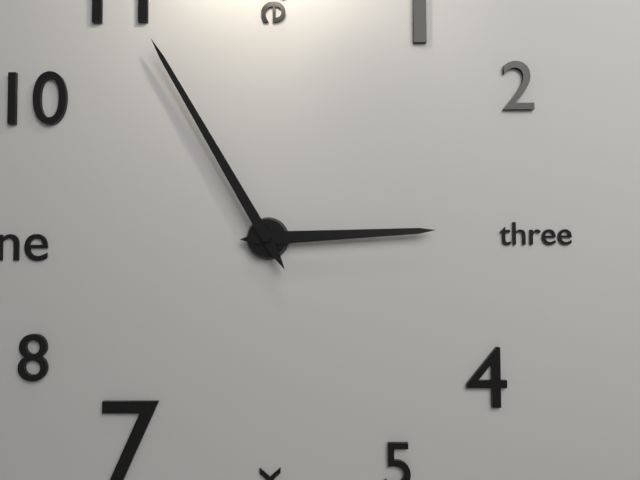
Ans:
h=2 m=55
